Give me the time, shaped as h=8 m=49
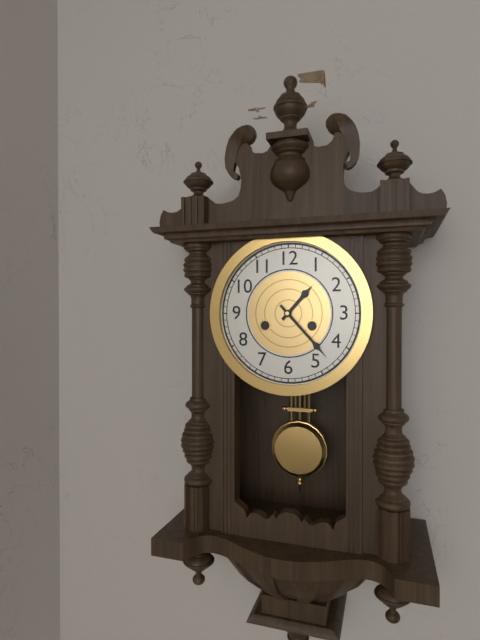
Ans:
h=1 m=23
